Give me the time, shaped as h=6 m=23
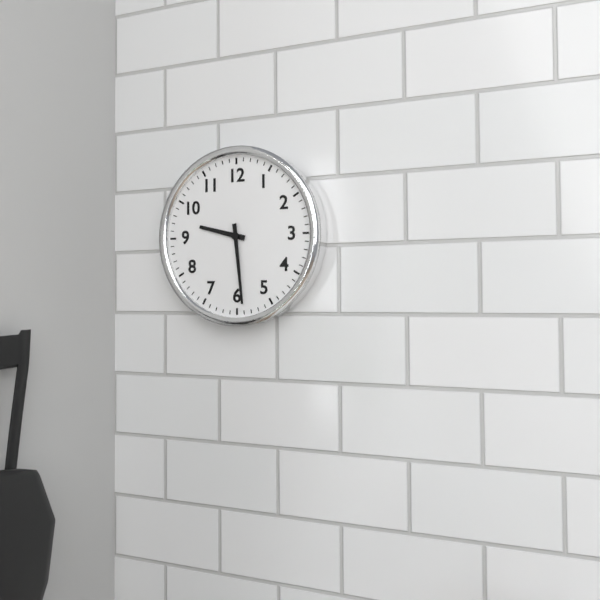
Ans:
h=9 m=29
